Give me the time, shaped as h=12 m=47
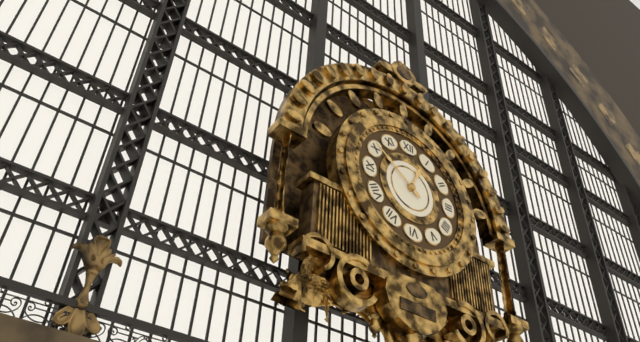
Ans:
h=12 m=51
